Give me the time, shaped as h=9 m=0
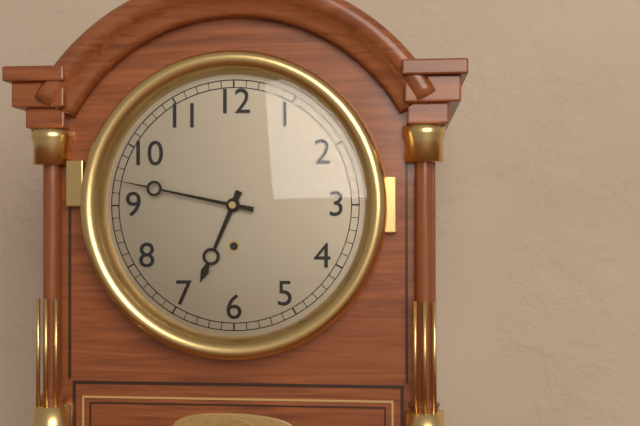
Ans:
h=6 m=47
